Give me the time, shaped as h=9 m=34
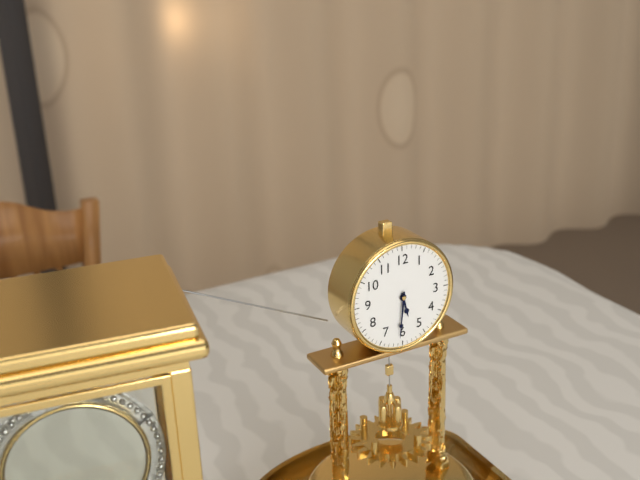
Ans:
h=5 m=31
